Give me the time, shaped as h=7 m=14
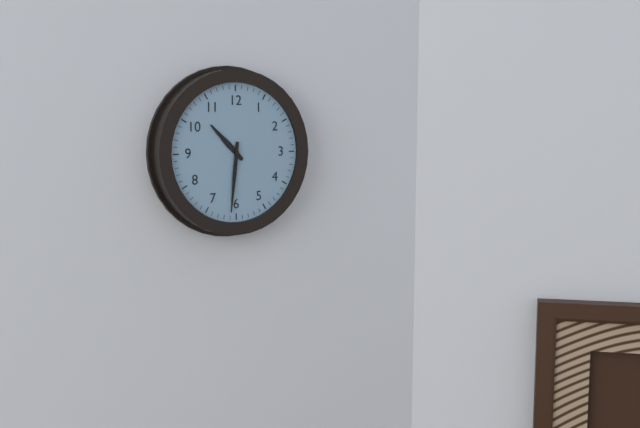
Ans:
h=10 m=31
